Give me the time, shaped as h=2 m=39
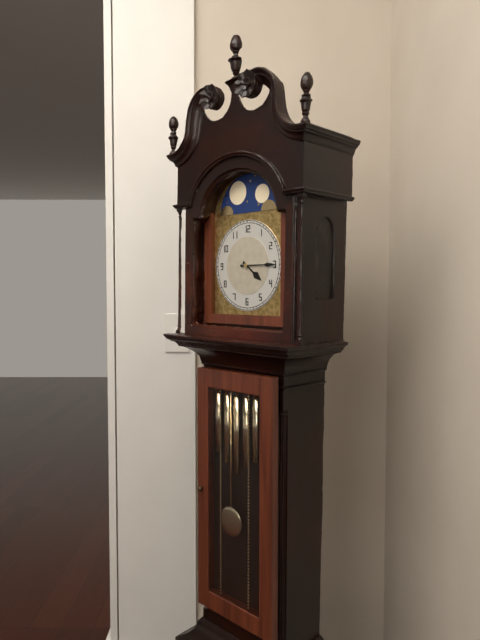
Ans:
h=4 m=15
